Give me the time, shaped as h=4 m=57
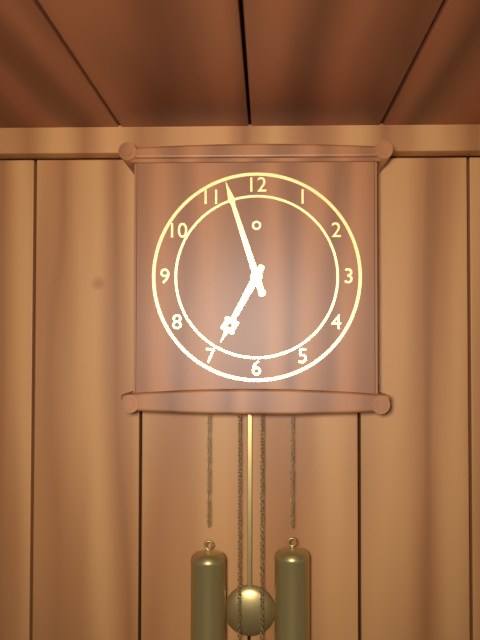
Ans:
h=6 m=57
